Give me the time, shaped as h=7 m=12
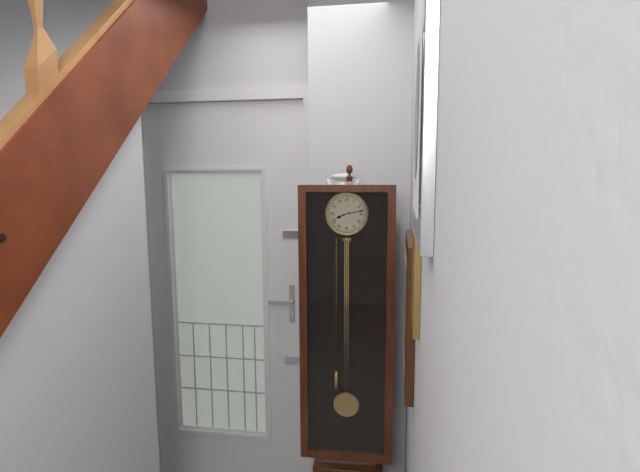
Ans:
h=8 m=13
